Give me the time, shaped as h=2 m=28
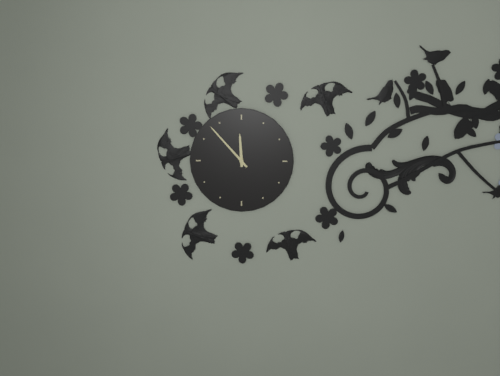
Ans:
h=11 m=53
